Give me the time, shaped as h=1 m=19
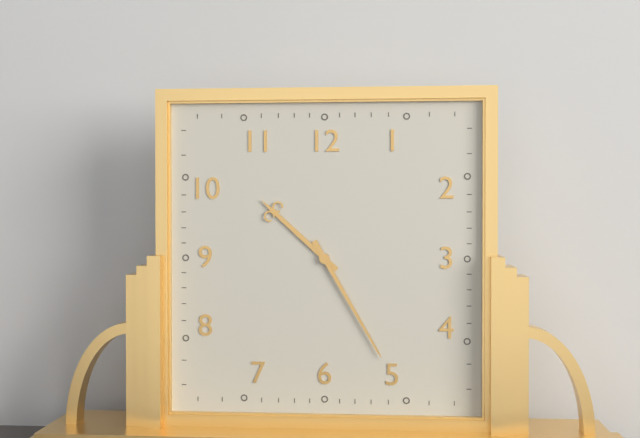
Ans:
h=10 m=25
